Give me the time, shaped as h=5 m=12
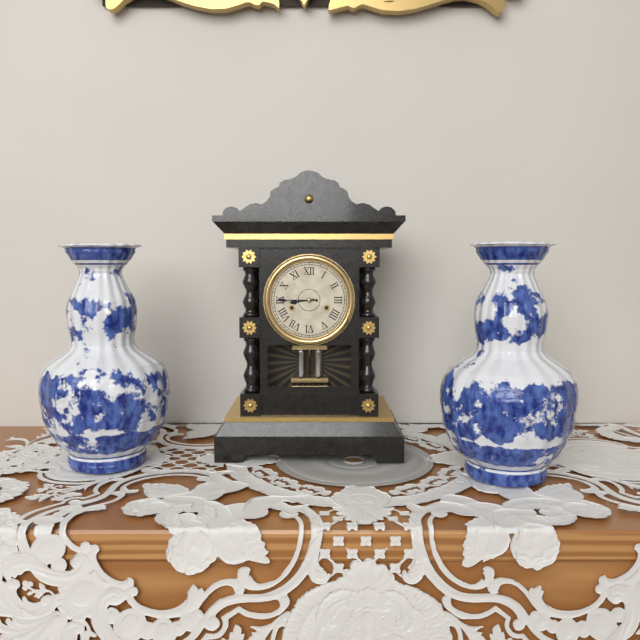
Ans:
h=8 m=45
